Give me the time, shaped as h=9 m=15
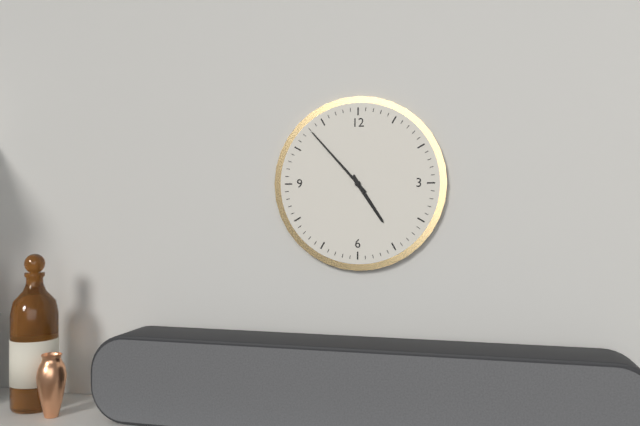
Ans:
h=4 m=53
